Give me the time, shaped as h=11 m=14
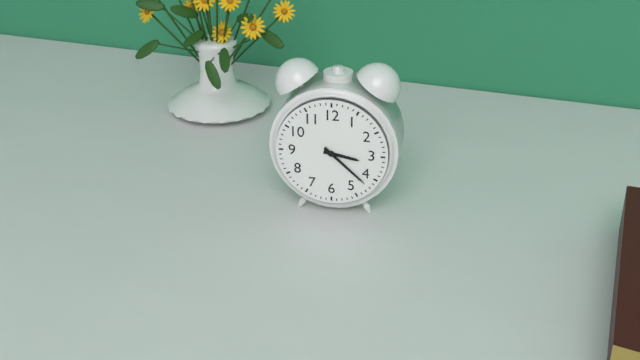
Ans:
h=3 m=22
